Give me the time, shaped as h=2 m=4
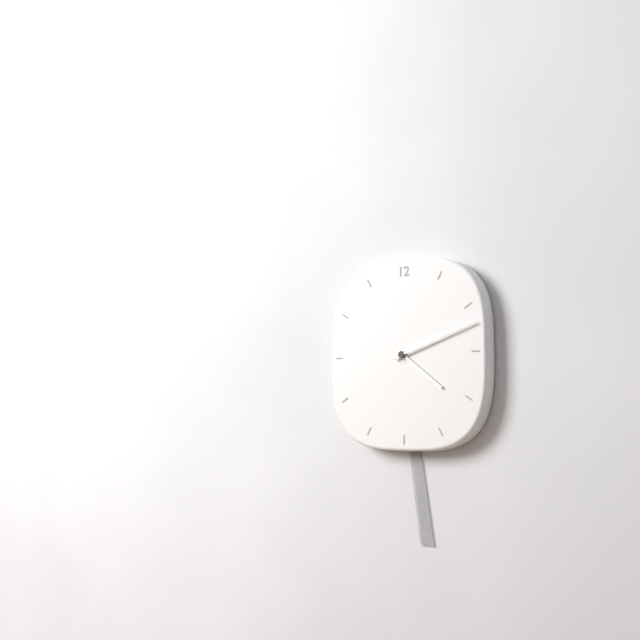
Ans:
h=4 m=12
